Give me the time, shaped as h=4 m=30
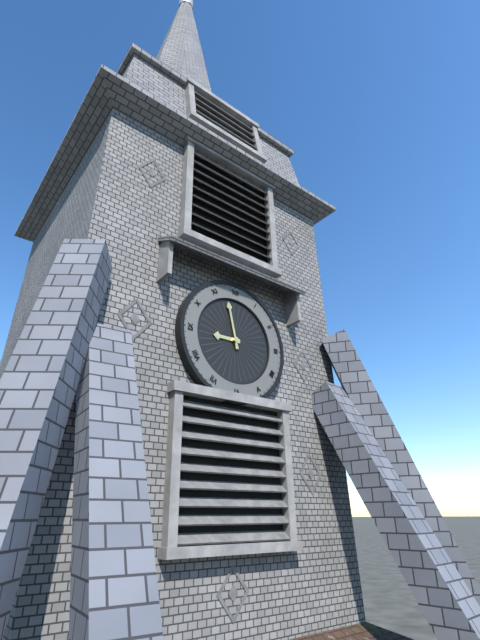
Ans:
h=8 m=58
